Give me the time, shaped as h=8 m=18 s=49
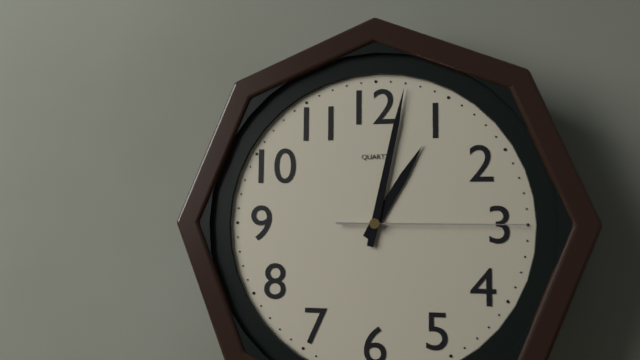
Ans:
h=1 m=2 s=15
